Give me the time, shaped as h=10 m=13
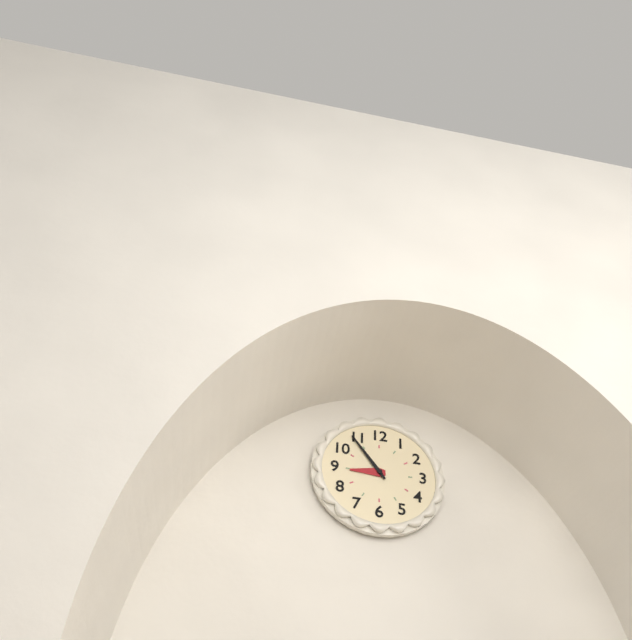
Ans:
h=8 m=54
